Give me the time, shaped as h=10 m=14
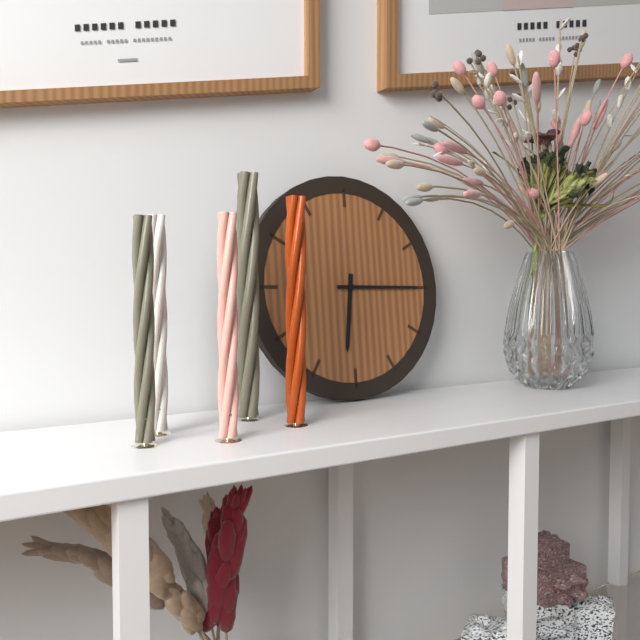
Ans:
h=6 m=15
